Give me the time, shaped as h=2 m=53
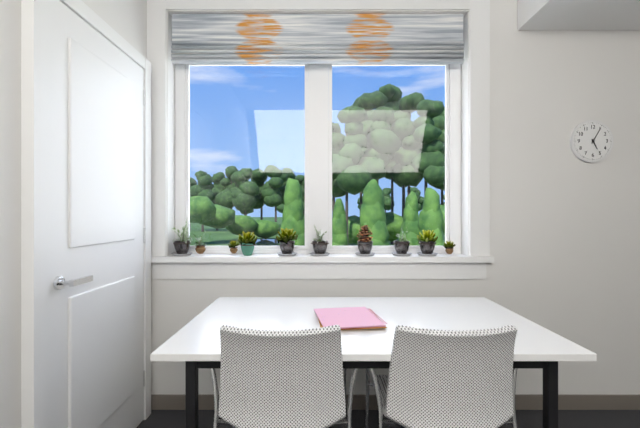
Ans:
h=5 m=5
